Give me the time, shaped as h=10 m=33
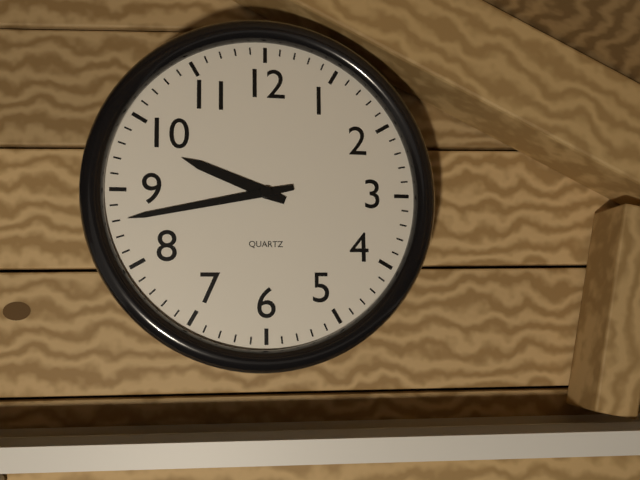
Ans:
h=9 m=43
